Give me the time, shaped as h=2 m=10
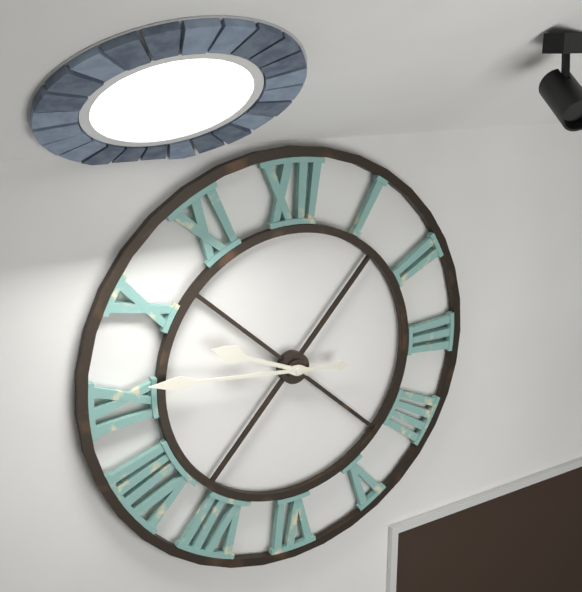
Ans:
h=9 m=46
